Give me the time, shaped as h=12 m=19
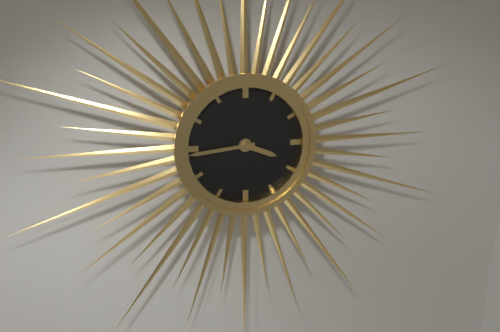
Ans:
h=3 m=44
